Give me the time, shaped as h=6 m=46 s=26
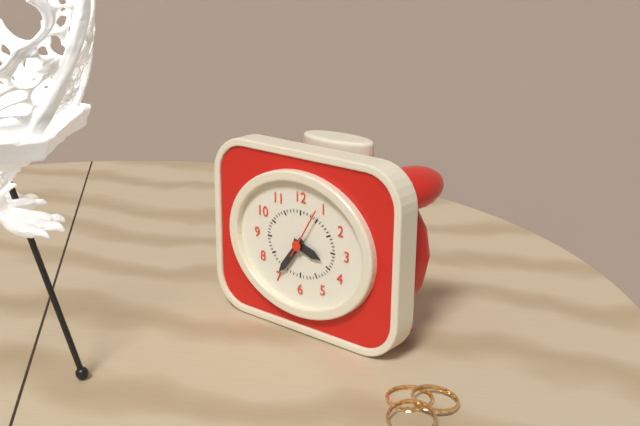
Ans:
h=3 m=36 s=5
